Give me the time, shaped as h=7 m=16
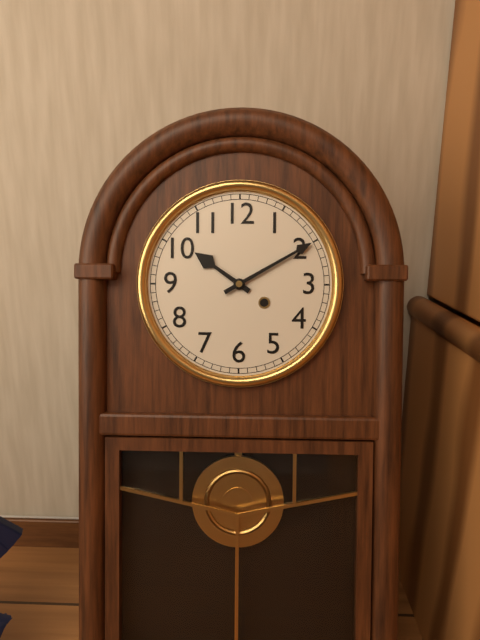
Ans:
h=10 m=10
